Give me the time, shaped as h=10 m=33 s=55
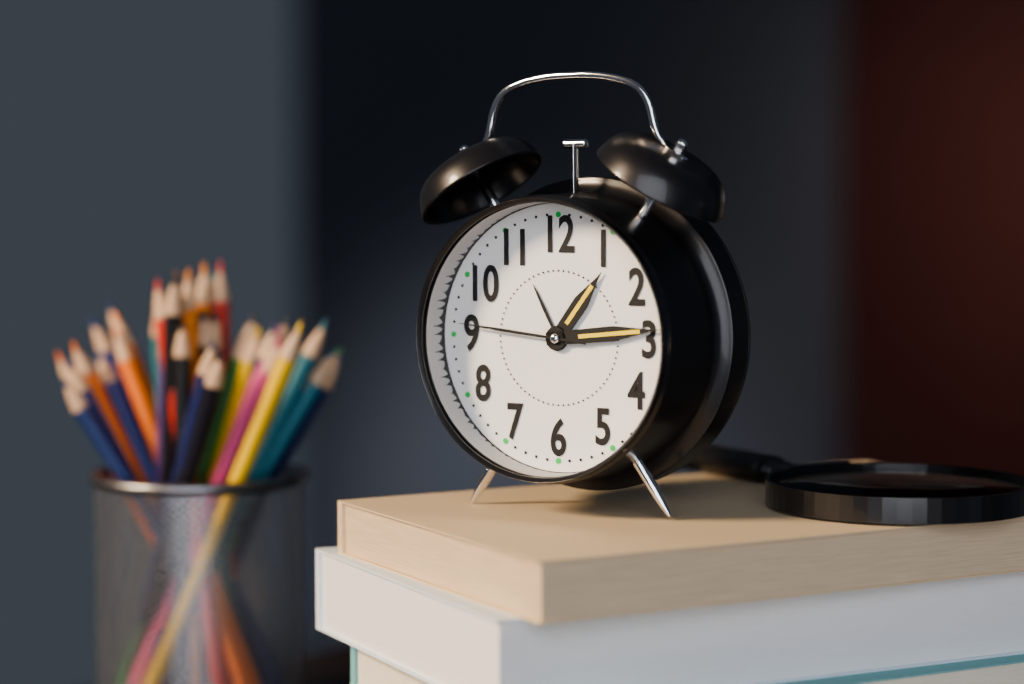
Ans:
h=1 m=14 s=46
